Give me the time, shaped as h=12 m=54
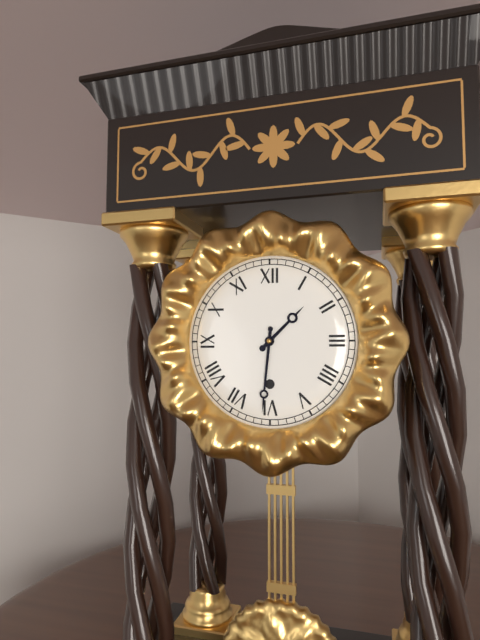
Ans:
h=1 m=31
